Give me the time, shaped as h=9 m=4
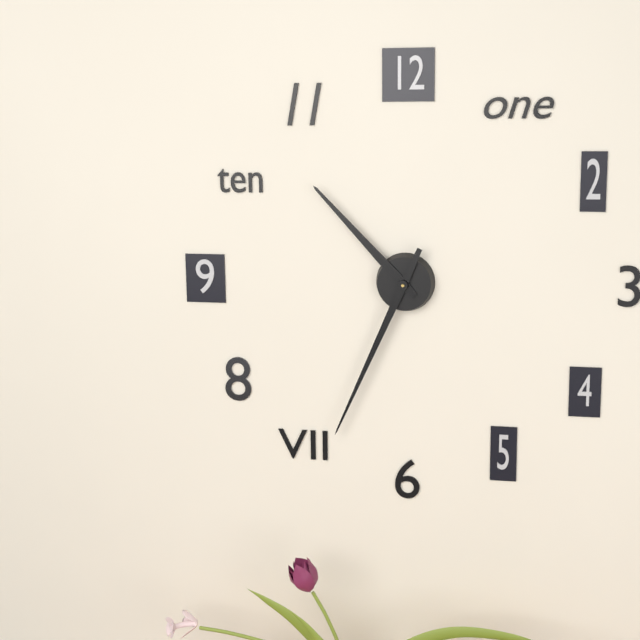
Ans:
h=10 m=34
